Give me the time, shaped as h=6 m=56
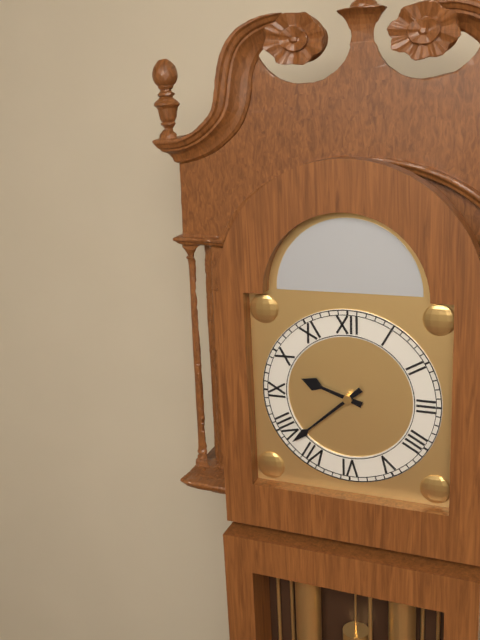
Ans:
h=9 m=38
